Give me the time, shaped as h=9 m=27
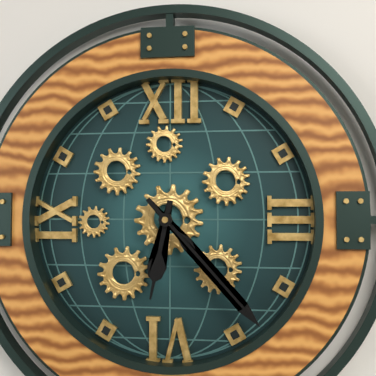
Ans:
h=6 m=23
